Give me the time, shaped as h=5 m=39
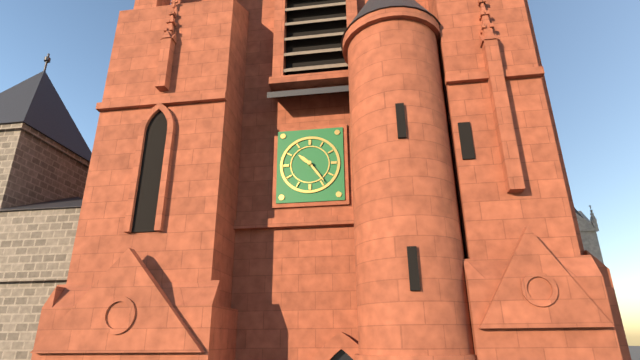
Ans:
h=10 m=24
